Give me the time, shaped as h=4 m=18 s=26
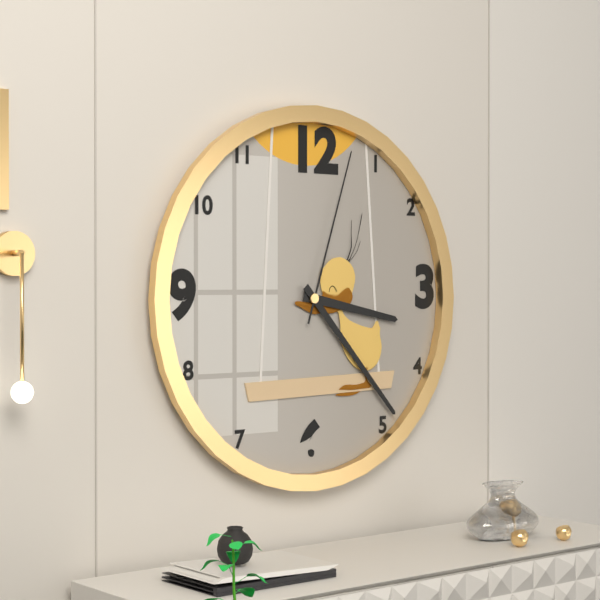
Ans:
h=3 m=23 s=3
